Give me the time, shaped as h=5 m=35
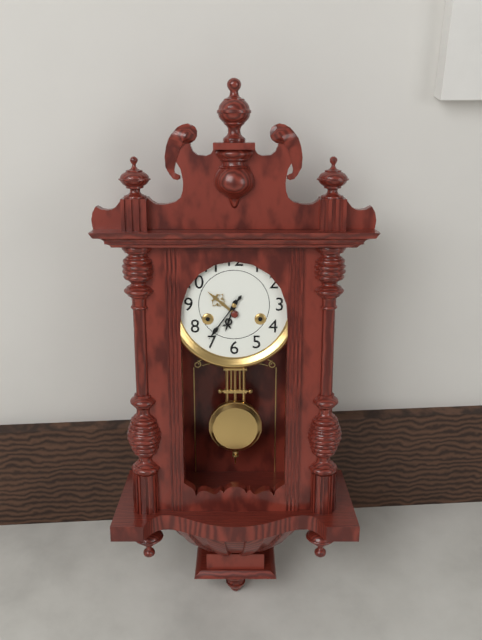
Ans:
h=6 m=36
